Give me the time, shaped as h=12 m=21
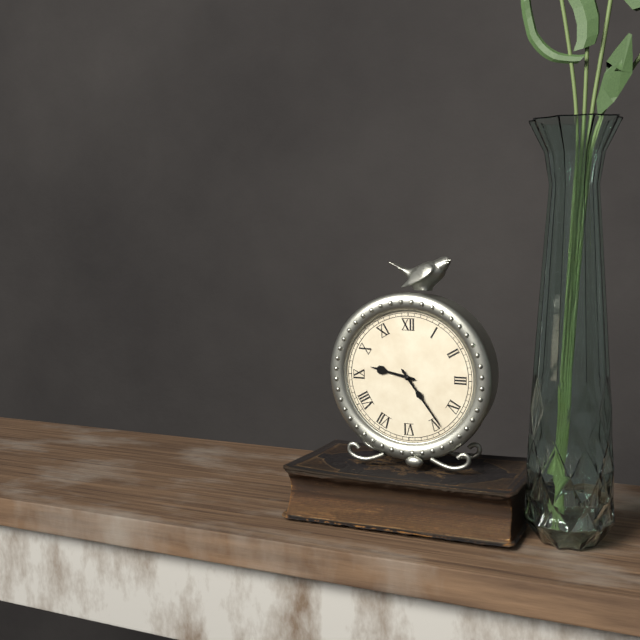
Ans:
h=9 m=24
